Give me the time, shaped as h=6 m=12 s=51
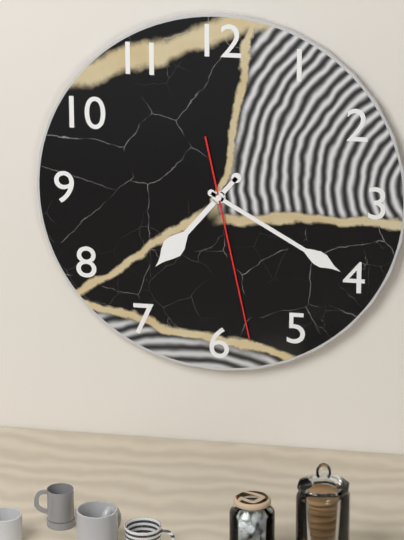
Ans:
h=7 m=20 s=28
